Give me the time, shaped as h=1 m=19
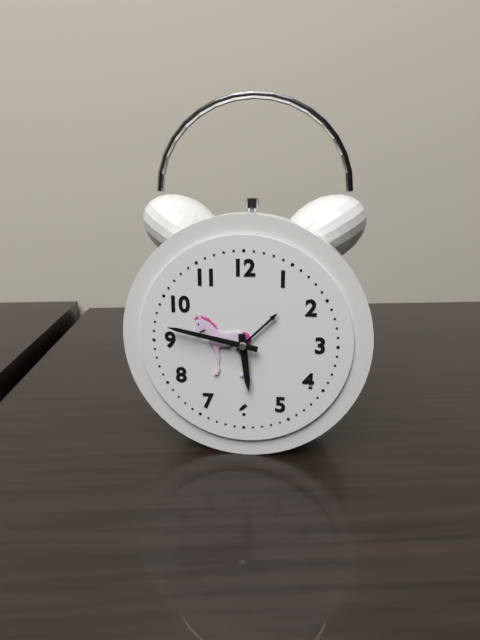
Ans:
h=5 m=47
